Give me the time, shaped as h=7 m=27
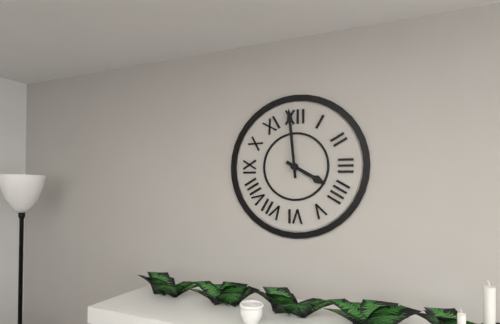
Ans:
h=3 m=59
